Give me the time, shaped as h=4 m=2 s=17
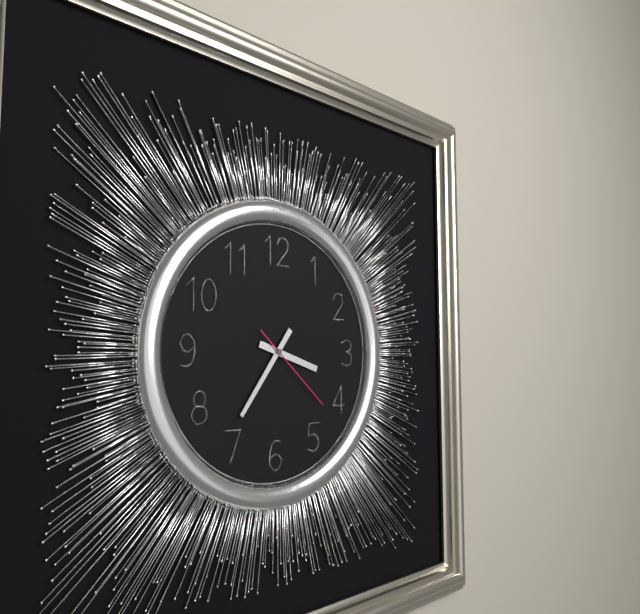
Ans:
h=3 m=36 s=22
